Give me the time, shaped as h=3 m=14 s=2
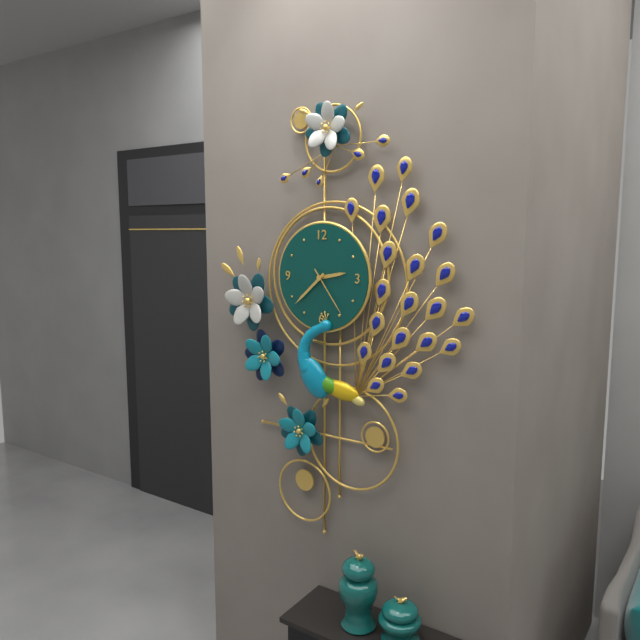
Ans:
h=2 m=38 s=24
